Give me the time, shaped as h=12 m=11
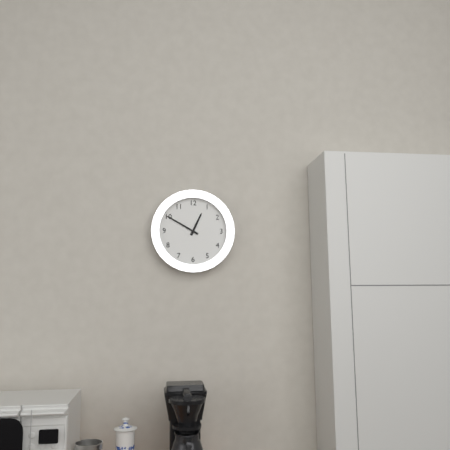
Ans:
h=12 m=50
